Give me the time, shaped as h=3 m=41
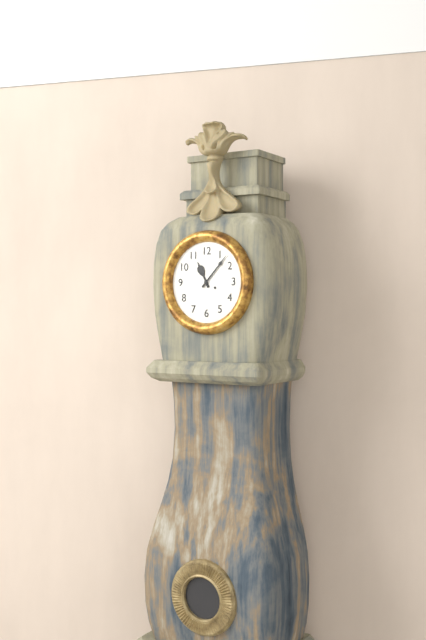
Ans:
h=11 m=7
